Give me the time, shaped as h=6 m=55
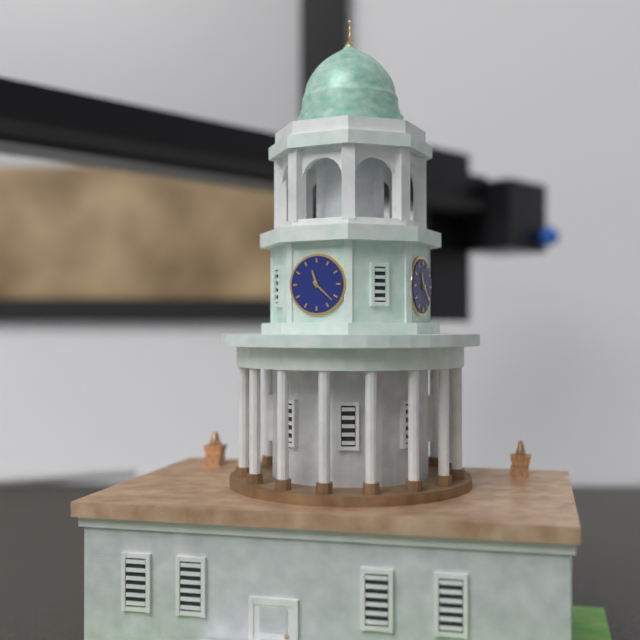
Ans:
h=11 m=22
